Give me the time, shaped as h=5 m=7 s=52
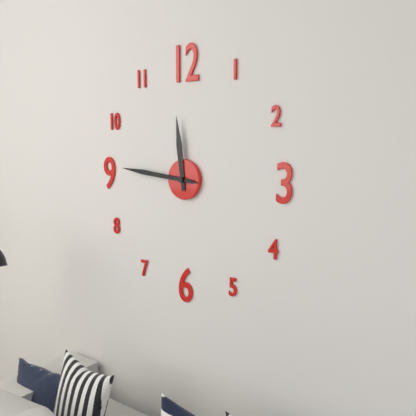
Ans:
h=11 m=46 s=46
